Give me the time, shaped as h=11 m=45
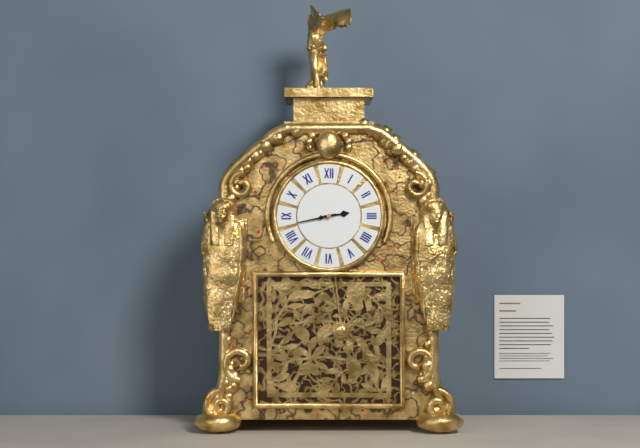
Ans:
h=2 m=43
